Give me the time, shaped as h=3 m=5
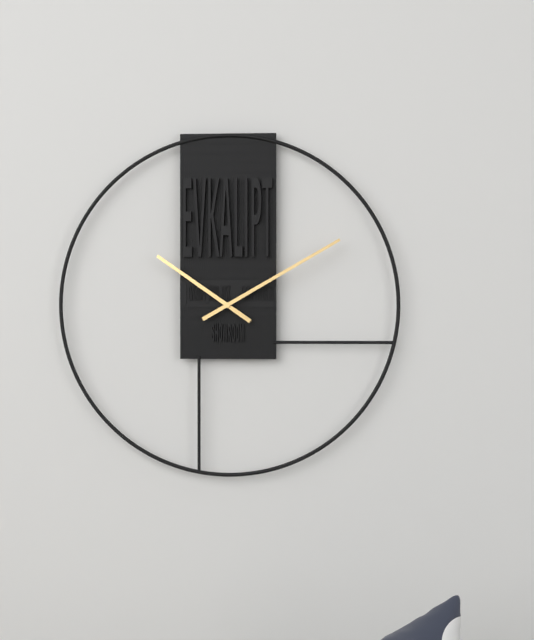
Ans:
h=10 m=10
